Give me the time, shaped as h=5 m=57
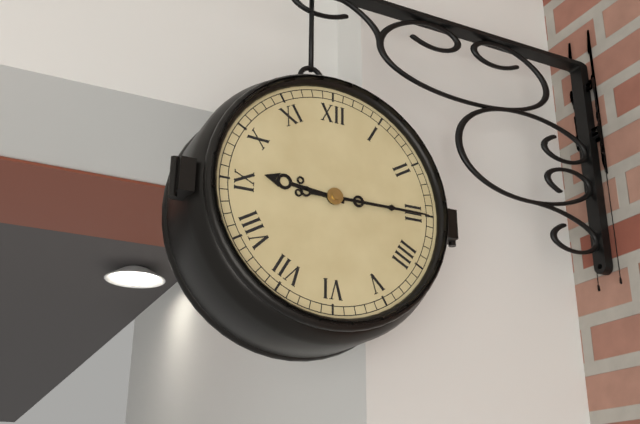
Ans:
h=9 m=15
